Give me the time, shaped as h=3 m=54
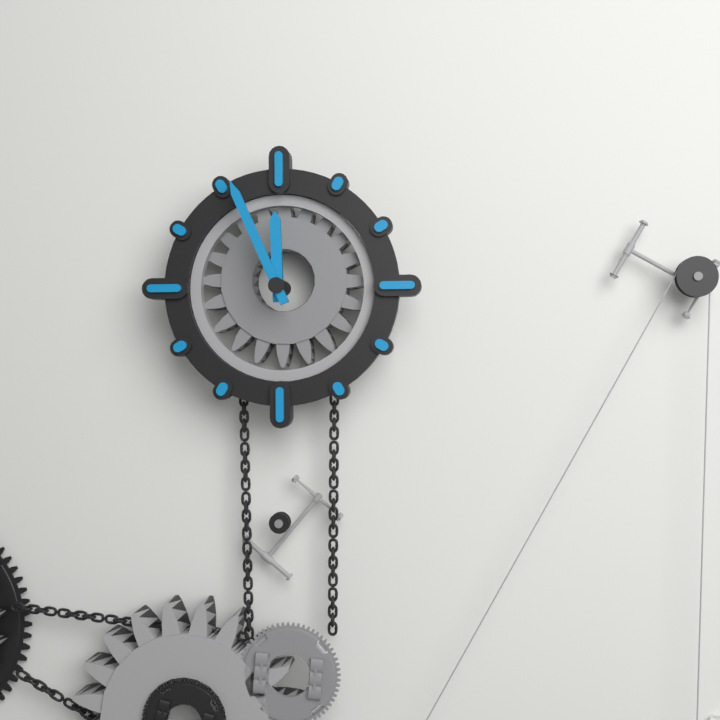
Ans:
h=11 m=56
